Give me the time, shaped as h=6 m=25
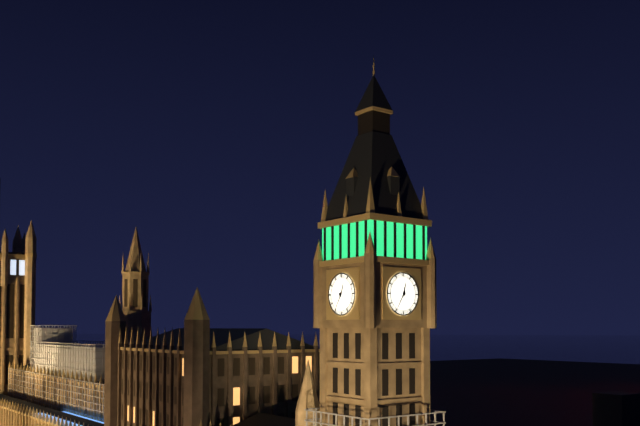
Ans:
h=12 m=35
